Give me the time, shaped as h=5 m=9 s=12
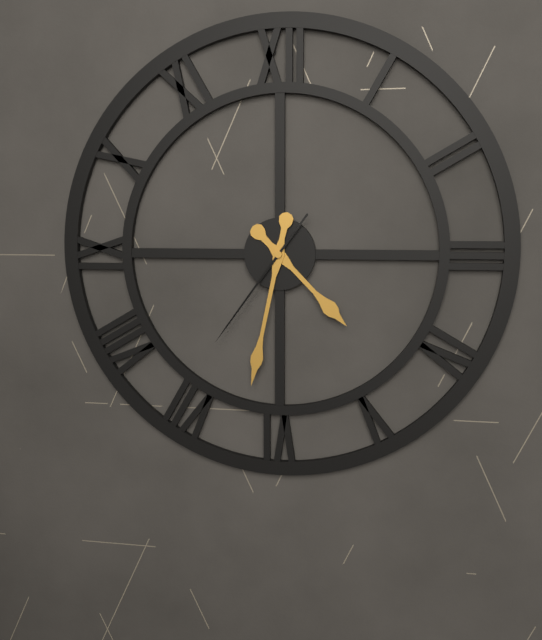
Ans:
h=4 m=32 s=36
